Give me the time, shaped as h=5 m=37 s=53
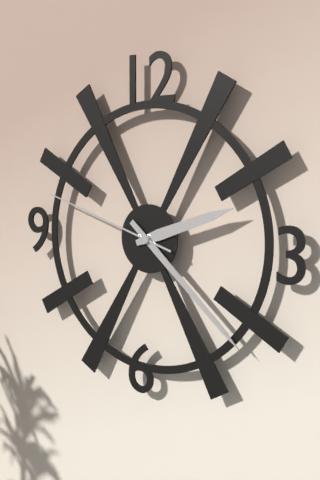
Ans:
h=2 m=22 s=48
